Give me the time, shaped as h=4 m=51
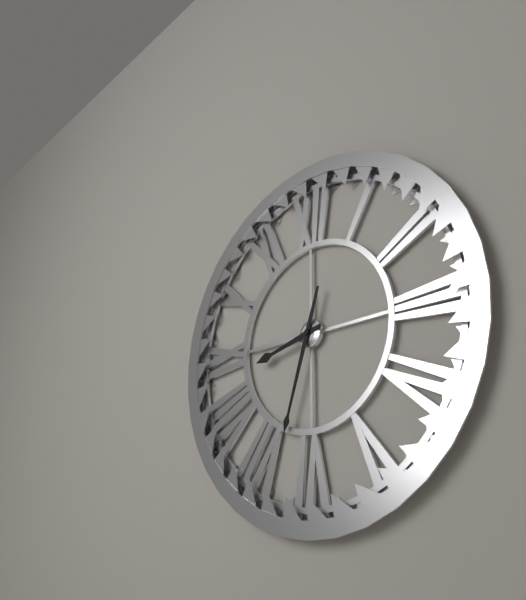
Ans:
h=8 m=33
